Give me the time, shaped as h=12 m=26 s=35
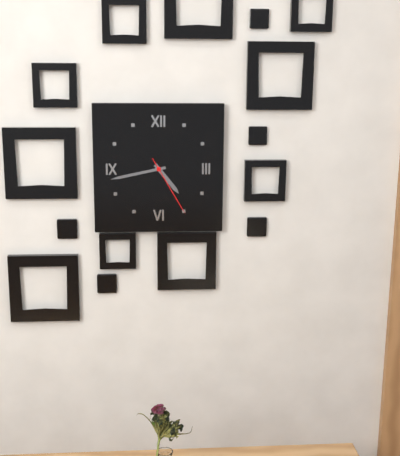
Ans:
h=4 m=43 s=25
